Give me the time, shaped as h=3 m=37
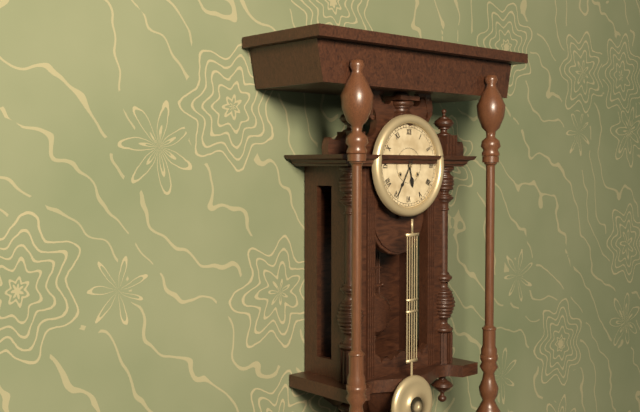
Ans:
h=5 m=35
